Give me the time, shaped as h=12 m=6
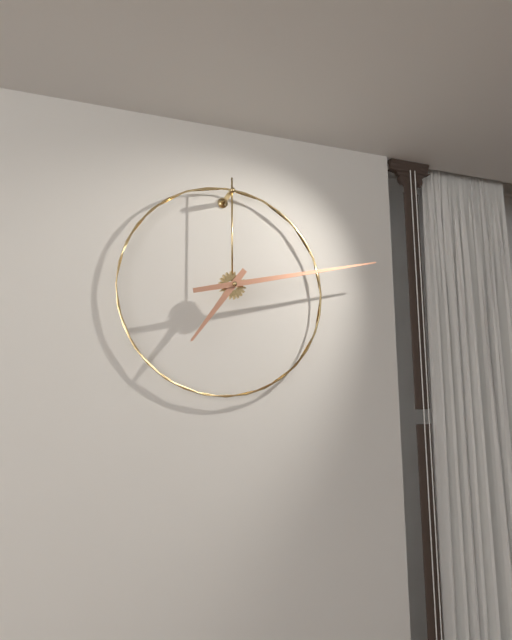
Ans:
h=7 m=13
